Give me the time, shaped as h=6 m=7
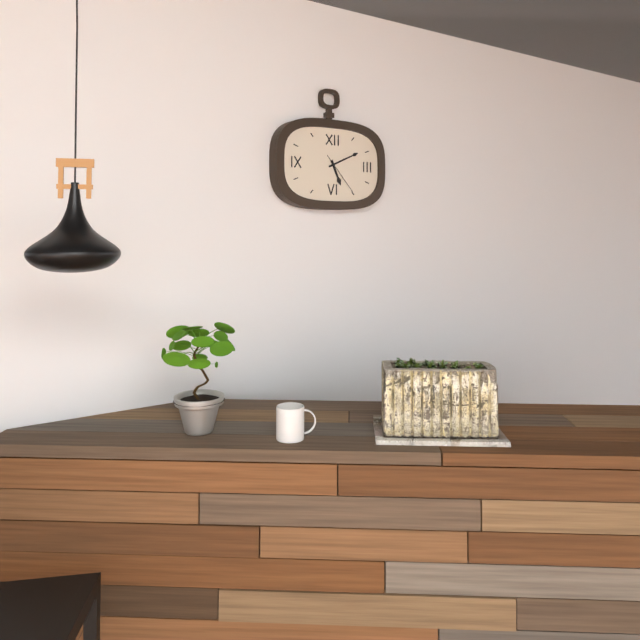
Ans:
h=5 m=11
